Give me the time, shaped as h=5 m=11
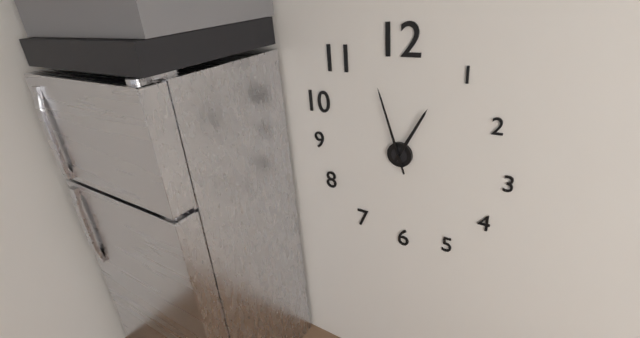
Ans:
h=12 m=57
